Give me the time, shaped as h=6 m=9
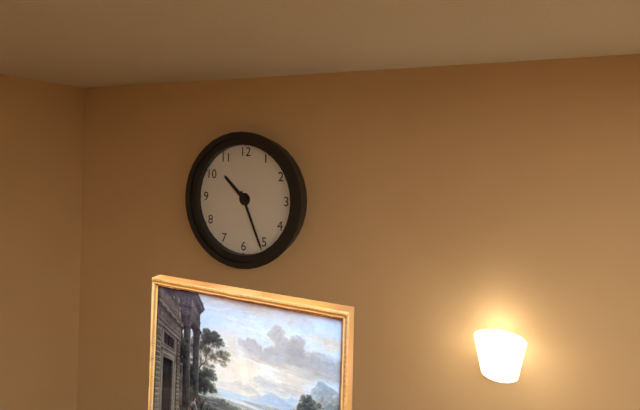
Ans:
h=10 m=26
